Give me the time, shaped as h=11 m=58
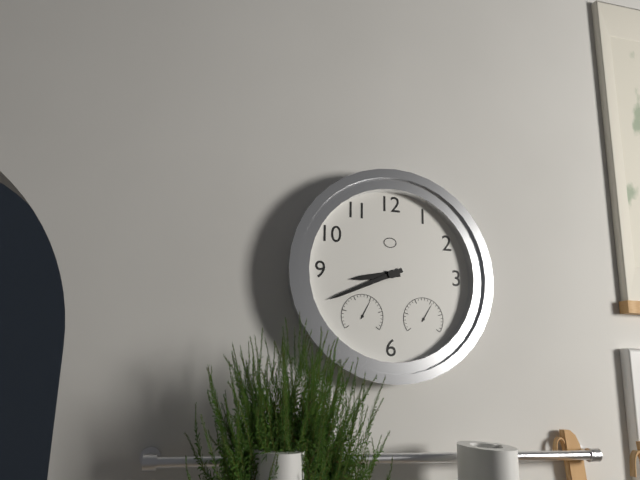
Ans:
h=8 m=41
